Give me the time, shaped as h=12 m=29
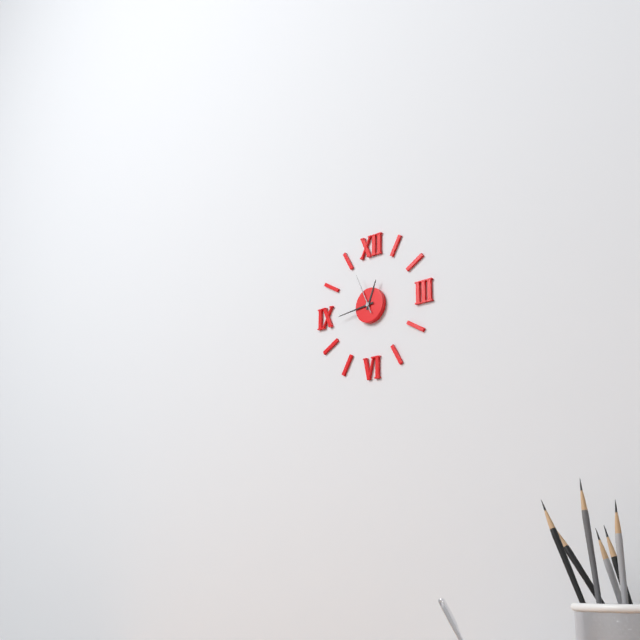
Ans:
h=12 m=44
